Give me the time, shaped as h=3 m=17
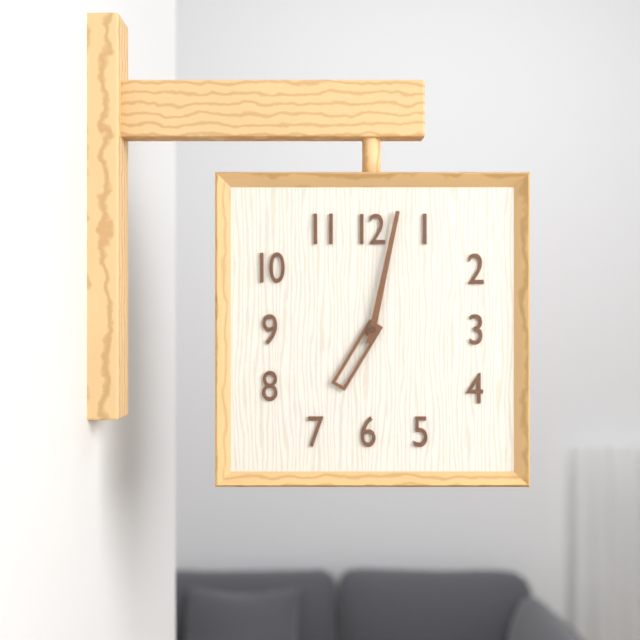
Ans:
h=7 m=2
